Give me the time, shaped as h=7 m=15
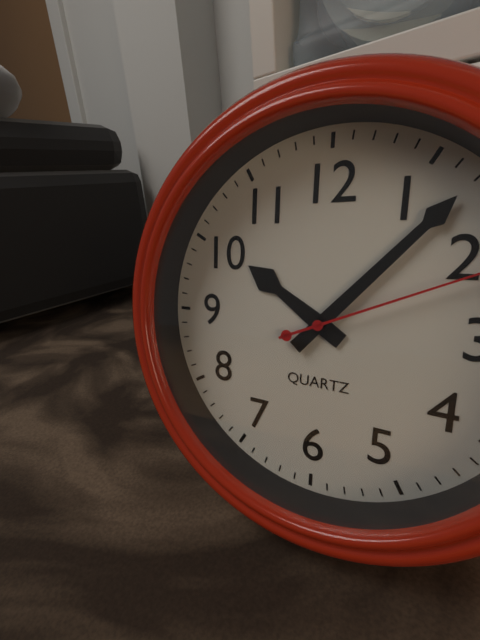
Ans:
h=10 m=7
